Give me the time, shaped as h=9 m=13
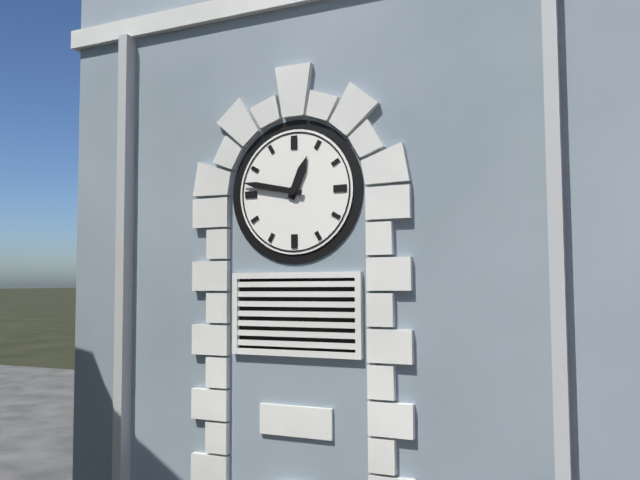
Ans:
h=12 m=47
